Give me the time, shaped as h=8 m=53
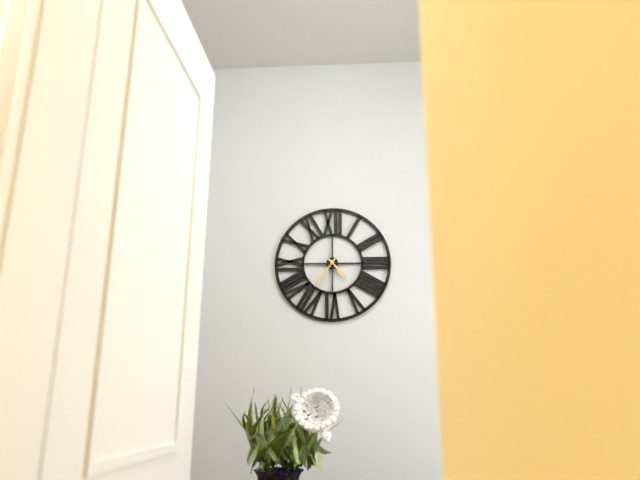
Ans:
h=4 m=36
